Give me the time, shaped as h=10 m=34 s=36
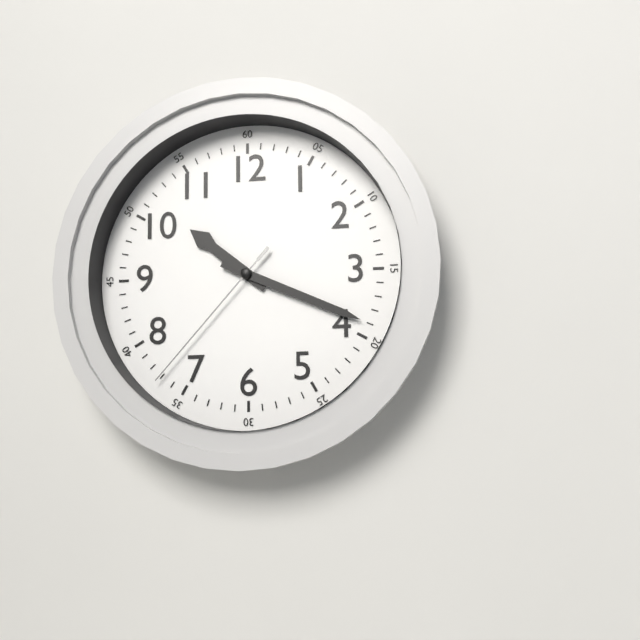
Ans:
h=10 m=19 s=37
